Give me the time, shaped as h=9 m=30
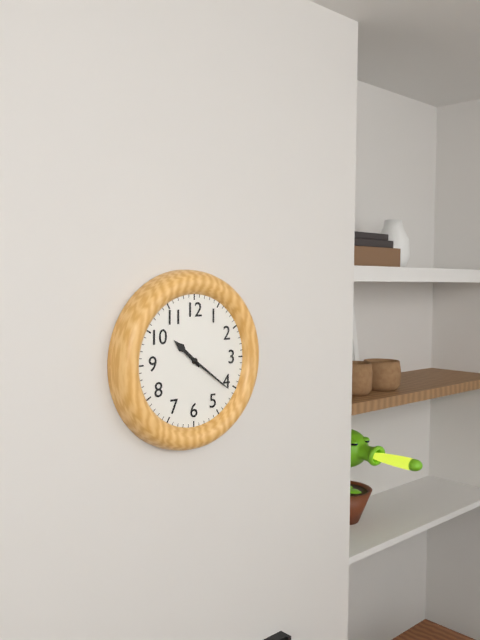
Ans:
h=10 m=21
